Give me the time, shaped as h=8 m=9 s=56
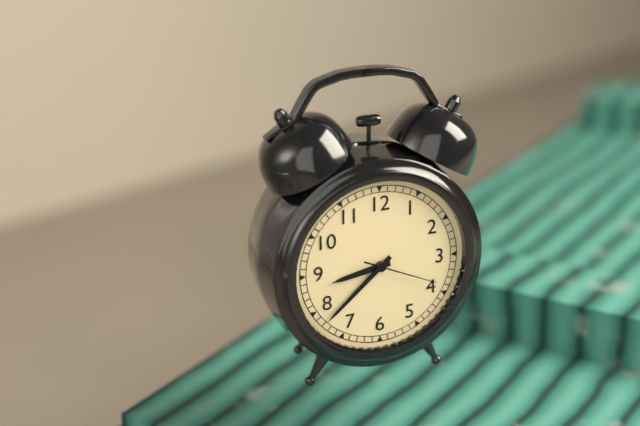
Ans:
h=8 m=38 s=19
